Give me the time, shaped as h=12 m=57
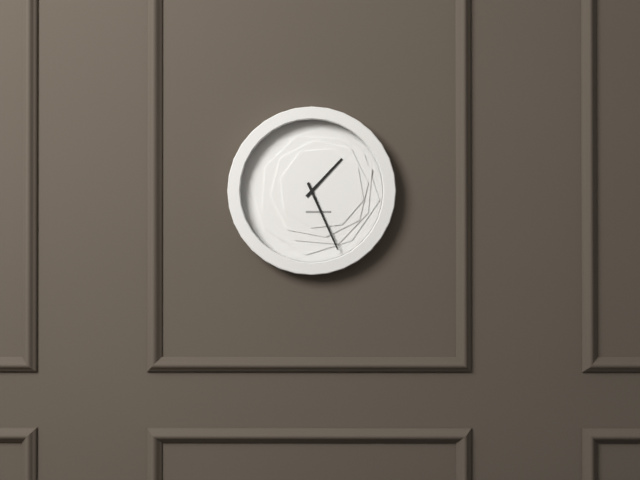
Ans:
h=1 m=26
